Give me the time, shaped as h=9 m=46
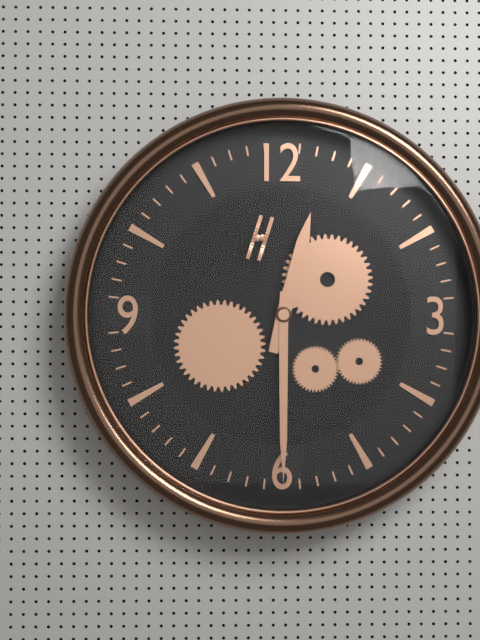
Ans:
h=12 m=30
